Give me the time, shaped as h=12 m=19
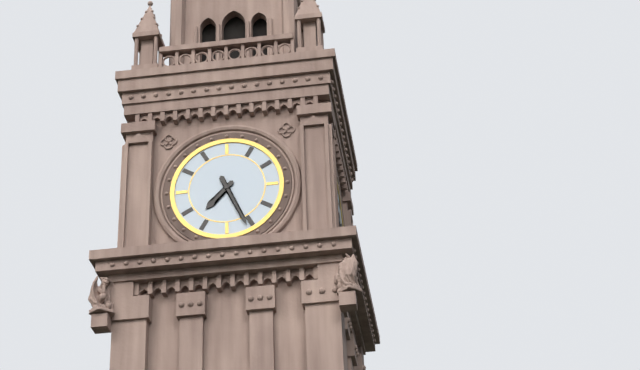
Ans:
h=7 m=26
